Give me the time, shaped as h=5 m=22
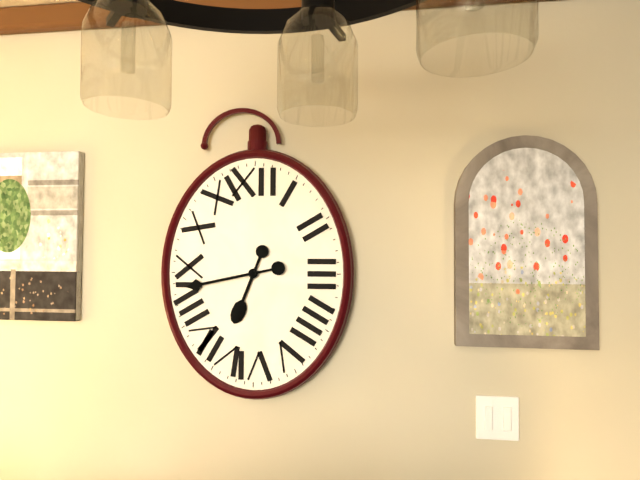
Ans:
h=6 m=43
